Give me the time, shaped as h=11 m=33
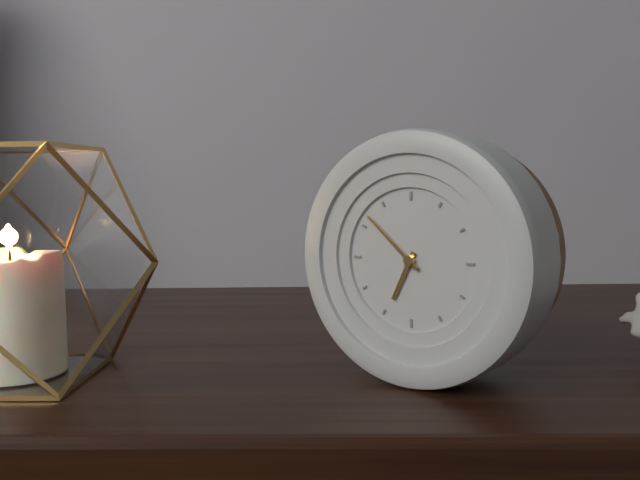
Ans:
h=6 m=52
